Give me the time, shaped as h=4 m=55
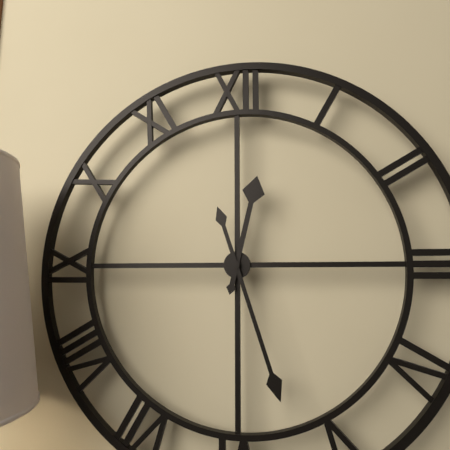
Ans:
h=12 m=27
